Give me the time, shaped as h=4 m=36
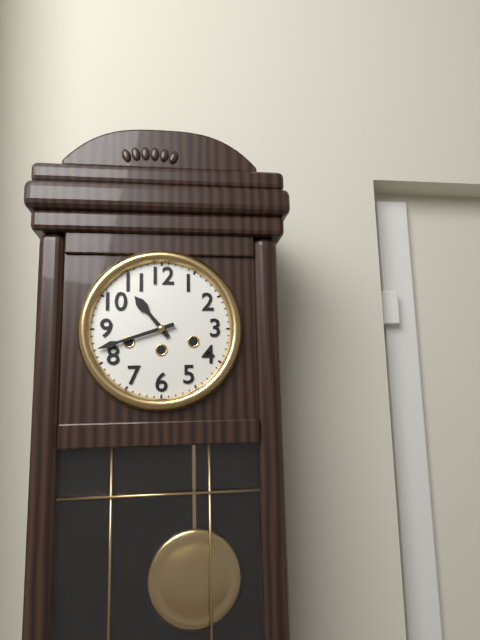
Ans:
h=10 m=42
